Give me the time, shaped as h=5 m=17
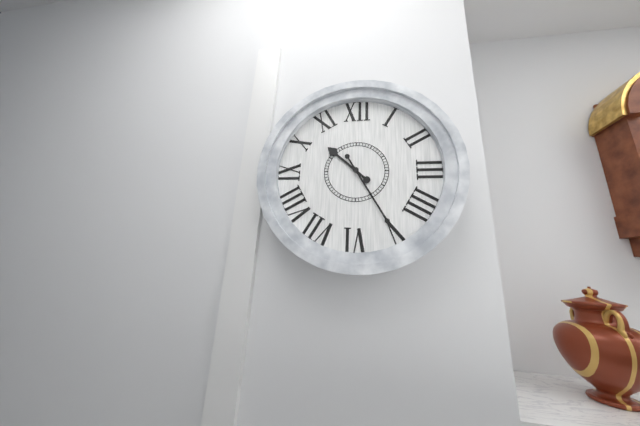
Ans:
h=10 m=25
